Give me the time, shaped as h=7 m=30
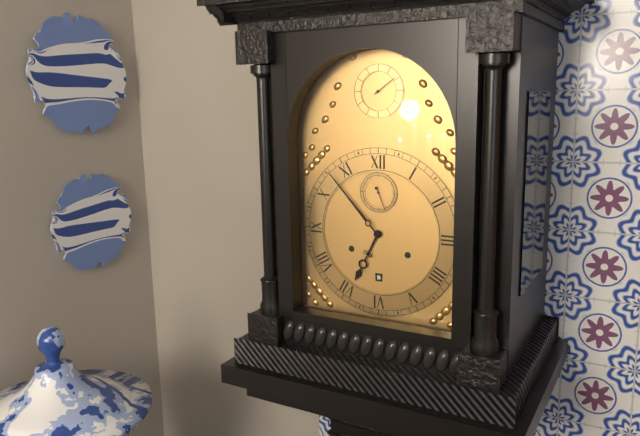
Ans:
h=6 m=53
